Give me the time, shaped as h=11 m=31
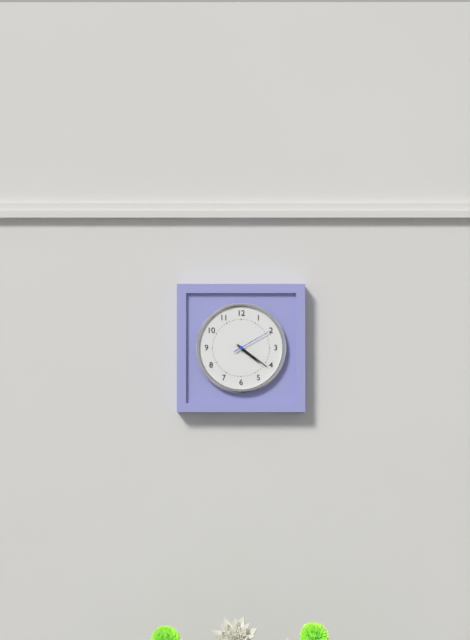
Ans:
h=4 m=21
